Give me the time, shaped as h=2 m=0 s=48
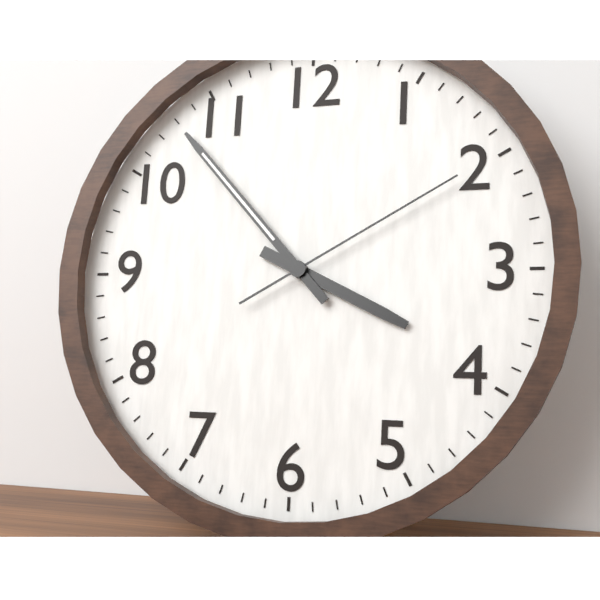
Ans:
h=3 m=53 s=10
